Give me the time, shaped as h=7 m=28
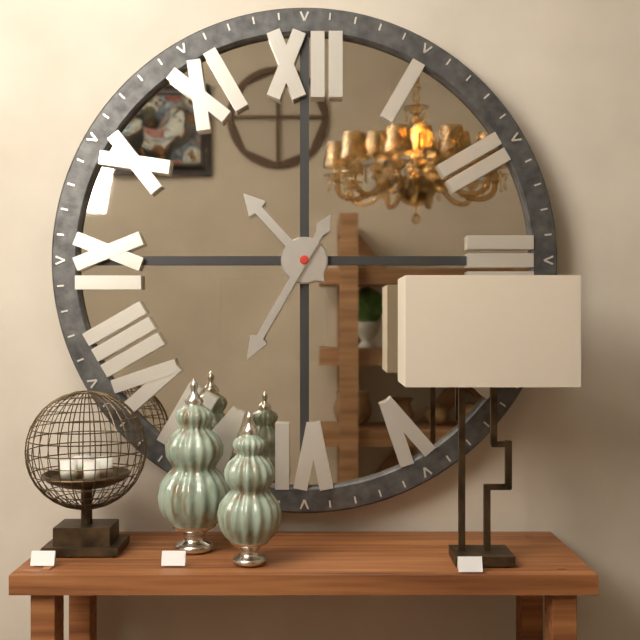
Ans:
h=10 m=35
